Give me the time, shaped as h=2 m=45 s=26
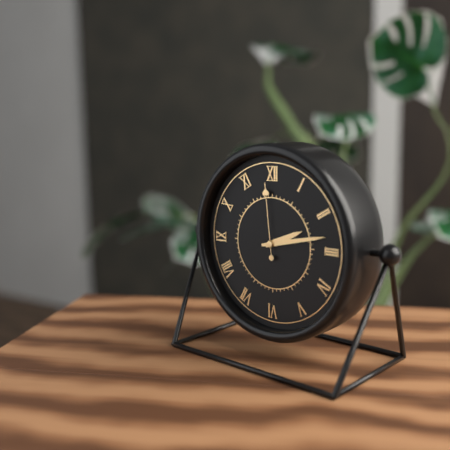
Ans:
h=2 m=13 s=59
